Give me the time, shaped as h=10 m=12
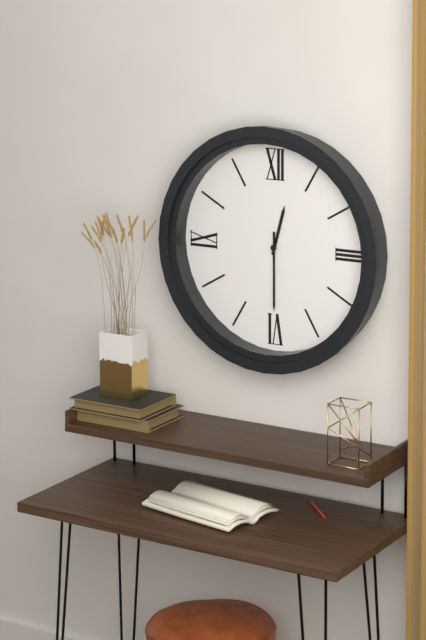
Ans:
h=12 m=30
